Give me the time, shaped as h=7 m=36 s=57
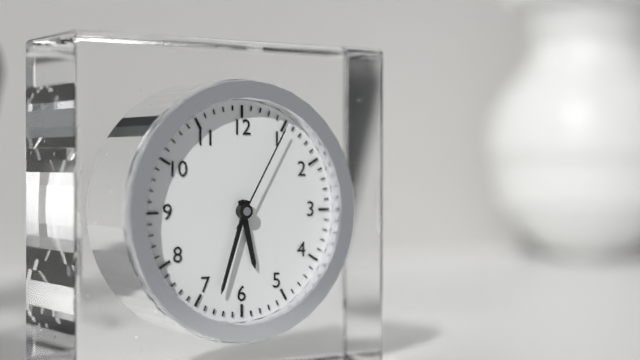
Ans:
h=5 m=33 s=5
